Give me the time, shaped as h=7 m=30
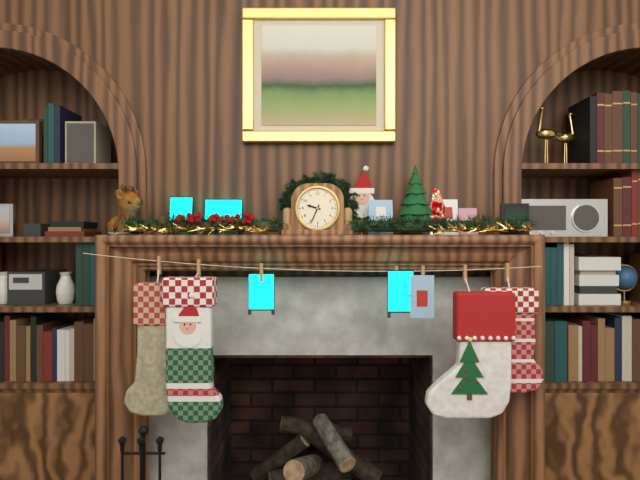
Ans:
h=9 m=34
